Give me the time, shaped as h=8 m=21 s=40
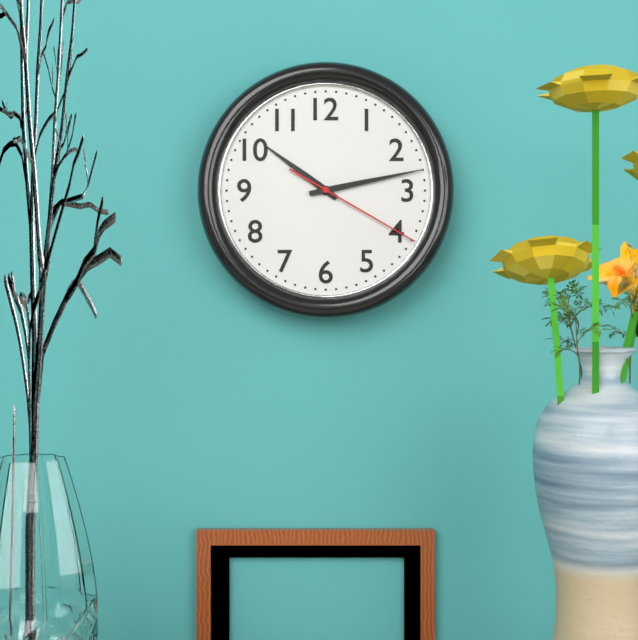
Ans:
h=10 m=13 s=20
